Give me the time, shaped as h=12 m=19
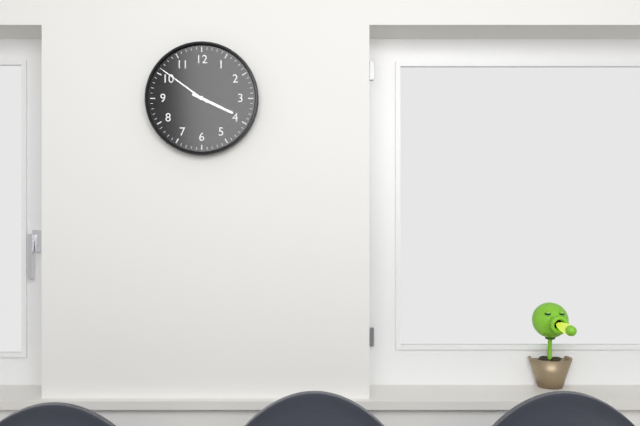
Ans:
h=3 m=51
